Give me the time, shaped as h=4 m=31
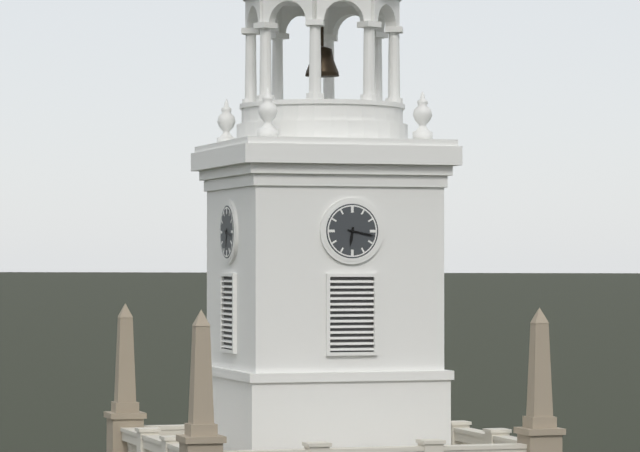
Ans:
h=6 m=17
